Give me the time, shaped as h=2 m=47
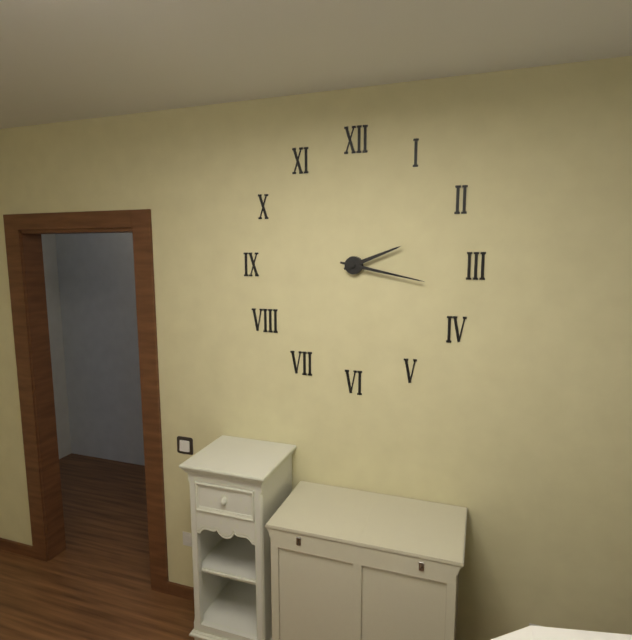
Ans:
h=2 m=17
